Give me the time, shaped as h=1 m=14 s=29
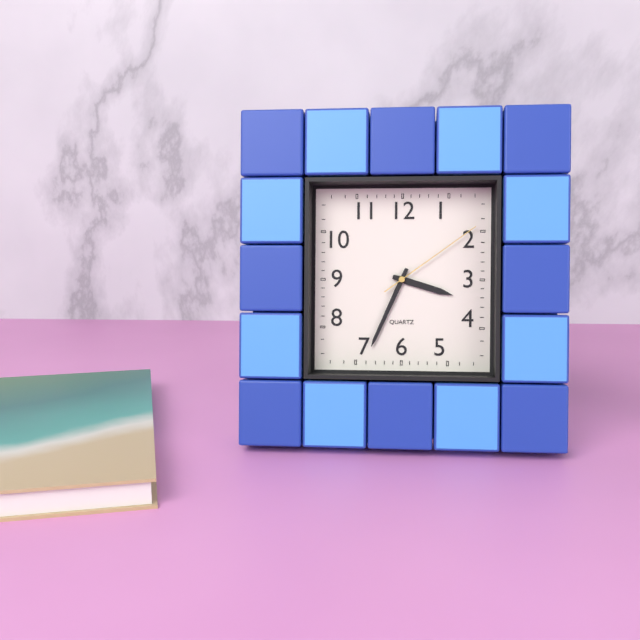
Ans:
h=3 m=34 s=9
